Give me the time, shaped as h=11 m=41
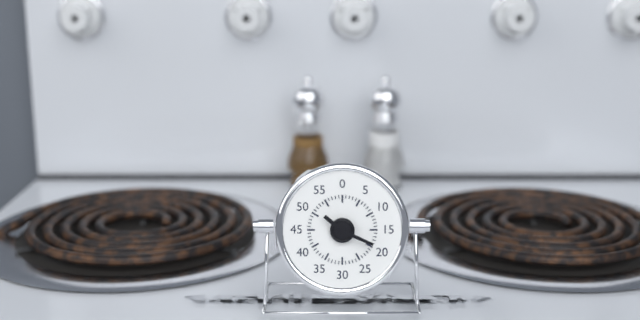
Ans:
h=10 m=19
